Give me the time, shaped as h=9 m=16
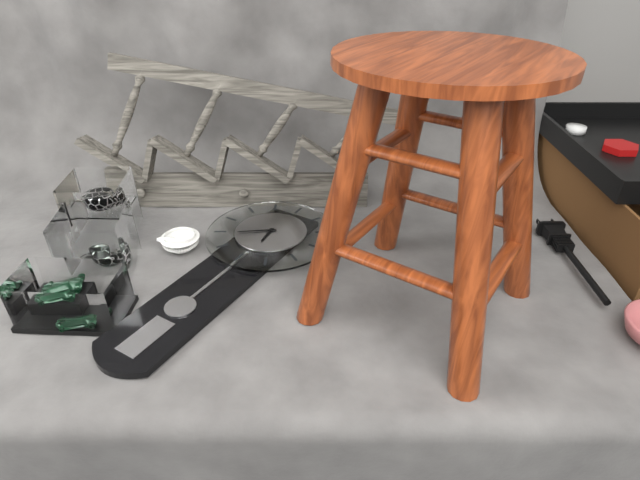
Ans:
h=5 m=39
